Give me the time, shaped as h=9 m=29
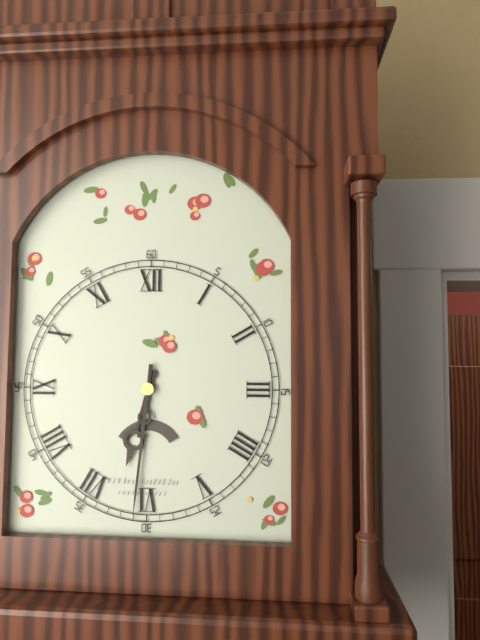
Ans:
h=6 m=31
